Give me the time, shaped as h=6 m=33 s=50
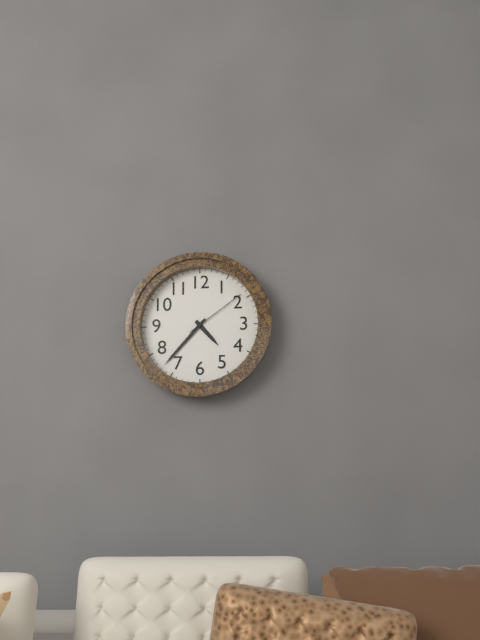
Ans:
h=4 m=37 s=9
